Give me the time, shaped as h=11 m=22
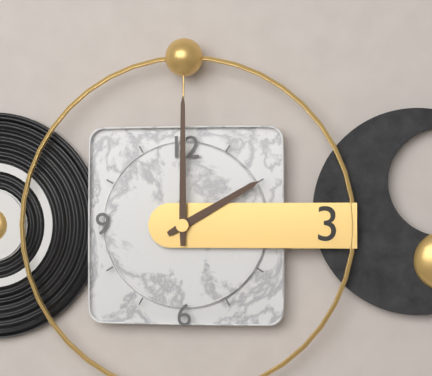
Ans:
h=2 m=0
